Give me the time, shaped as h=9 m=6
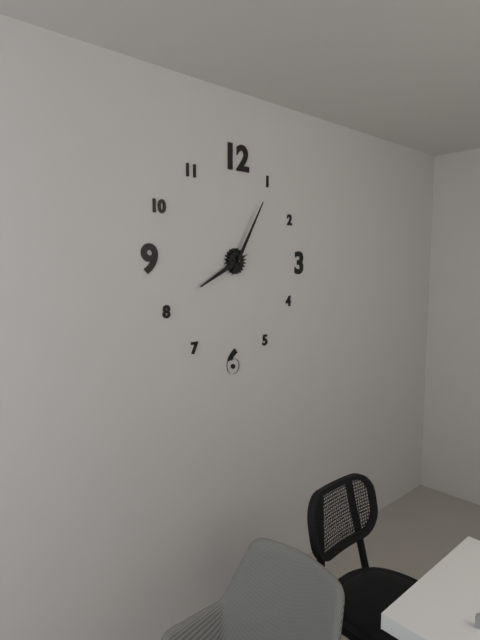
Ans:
h=8 m=5
